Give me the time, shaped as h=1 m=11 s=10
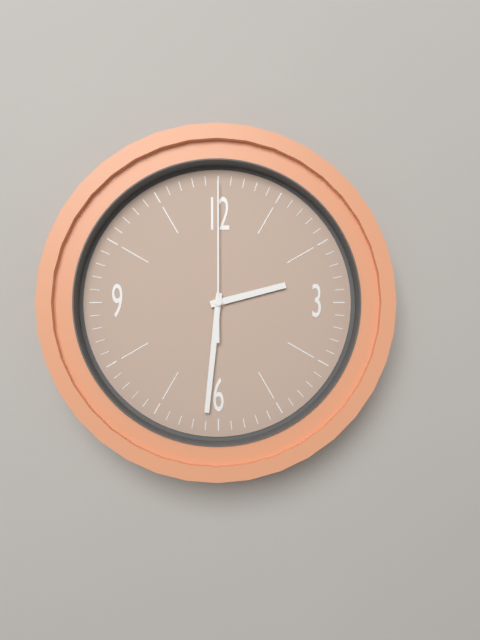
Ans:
h=2 m=31 s=0
